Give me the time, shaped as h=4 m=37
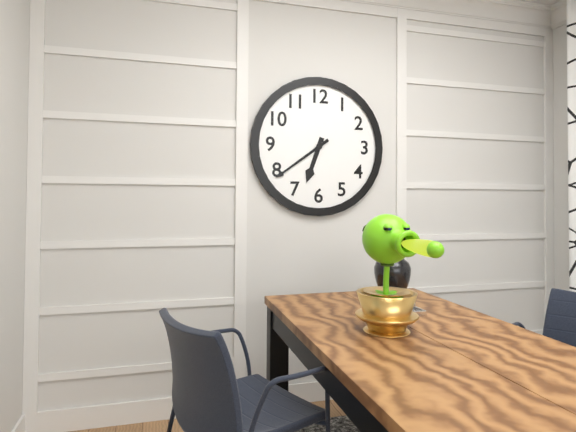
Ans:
h=6 m=39
